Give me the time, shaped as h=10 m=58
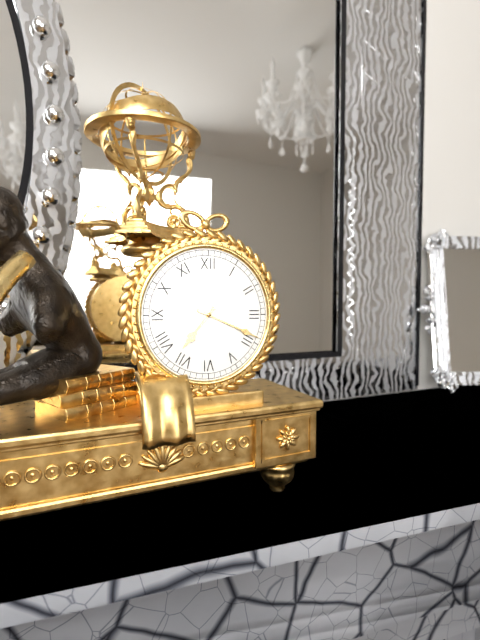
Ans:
h=7 m=19
